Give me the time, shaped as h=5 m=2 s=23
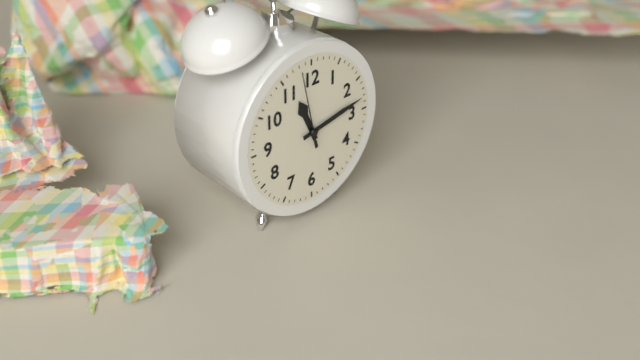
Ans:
h=11 m=13 s=58
